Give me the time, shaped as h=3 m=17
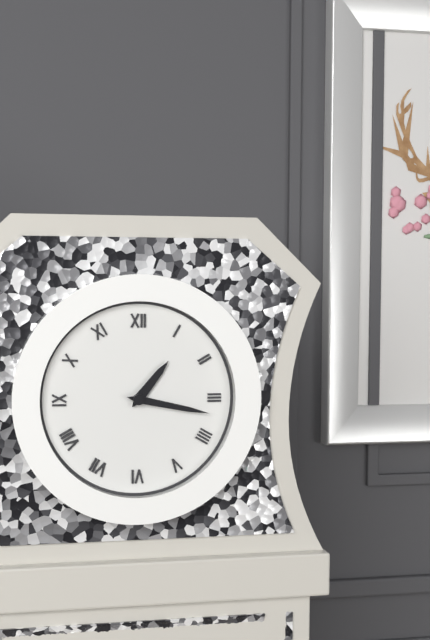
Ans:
h=1 m=17
